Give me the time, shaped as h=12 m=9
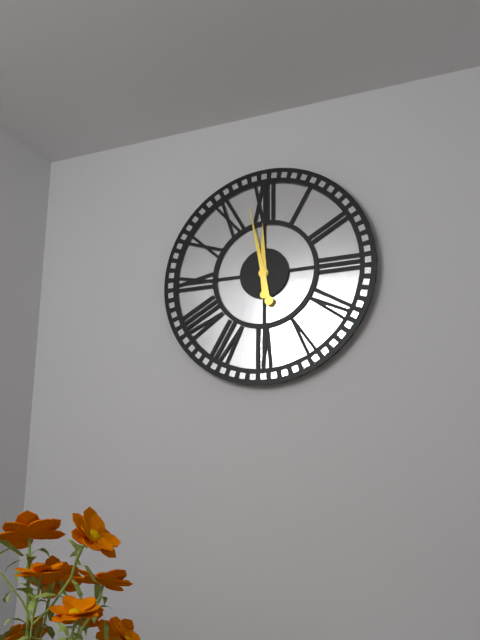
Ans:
h=11 m=58
